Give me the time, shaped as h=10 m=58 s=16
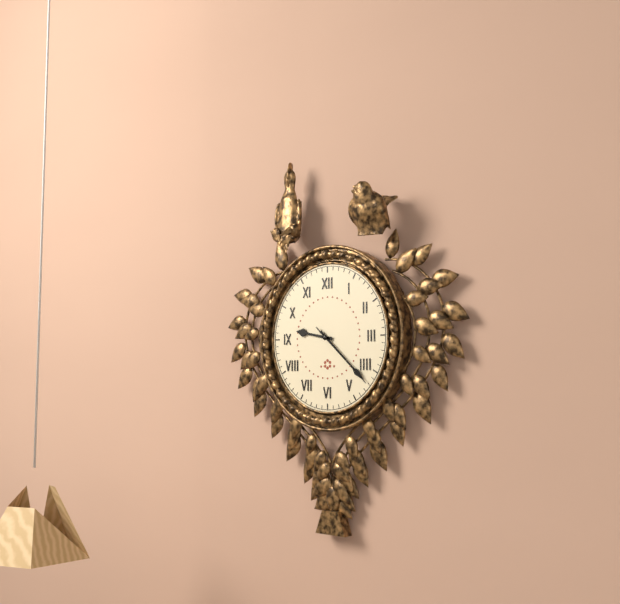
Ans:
h=9 m=22 s=22
